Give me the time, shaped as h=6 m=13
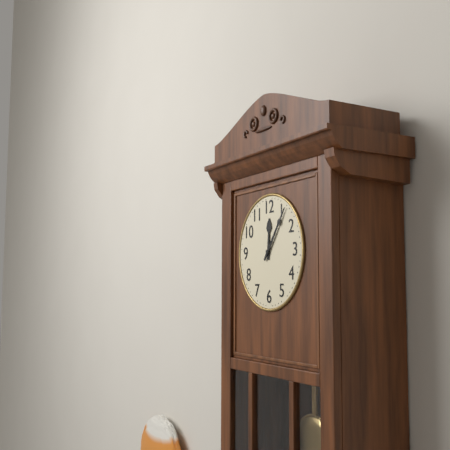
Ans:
h=12 m=6
